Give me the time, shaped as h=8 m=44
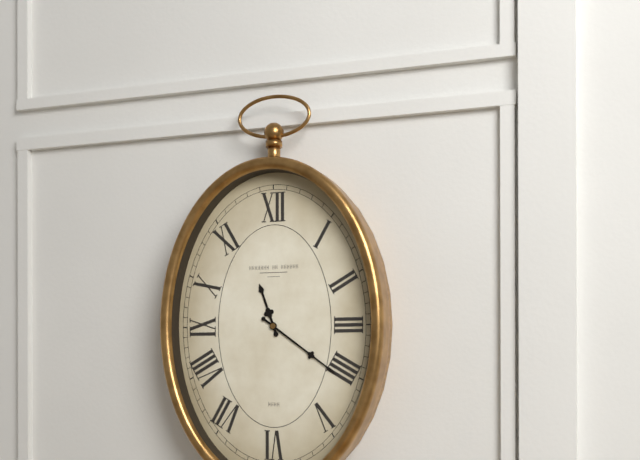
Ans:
h=11 m=21
